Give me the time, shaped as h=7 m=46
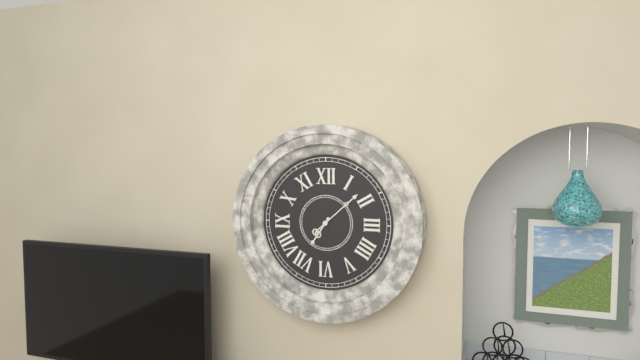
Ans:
h=7 m=8
